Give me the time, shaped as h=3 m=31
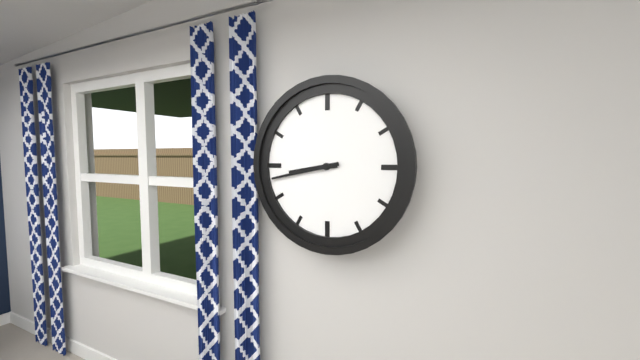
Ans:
h=8 m=43
